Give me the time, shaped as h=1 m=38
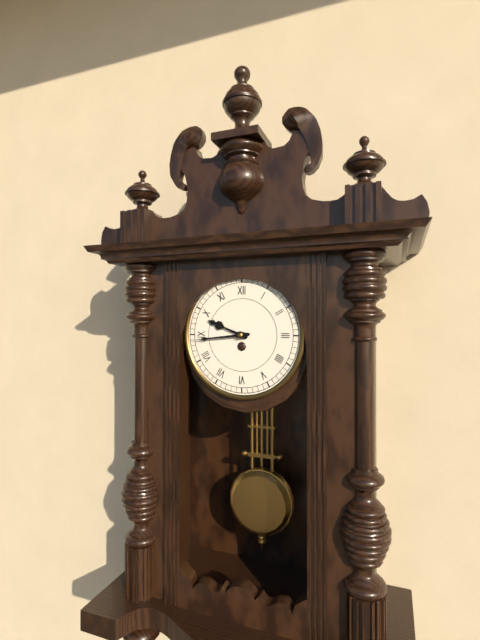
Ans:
h=9 m=44
